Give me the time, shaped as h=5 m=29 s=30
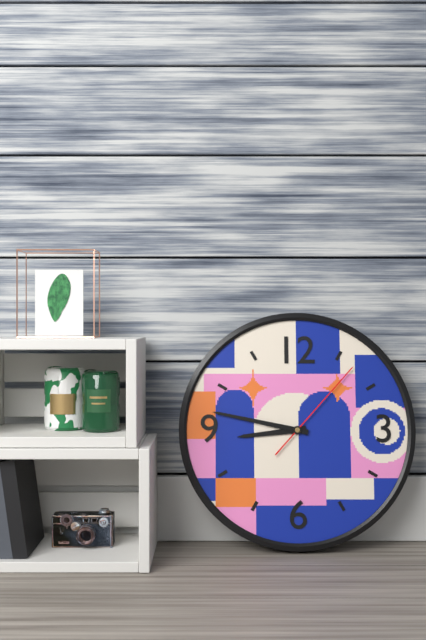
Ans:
h=8 m=47 s=7
